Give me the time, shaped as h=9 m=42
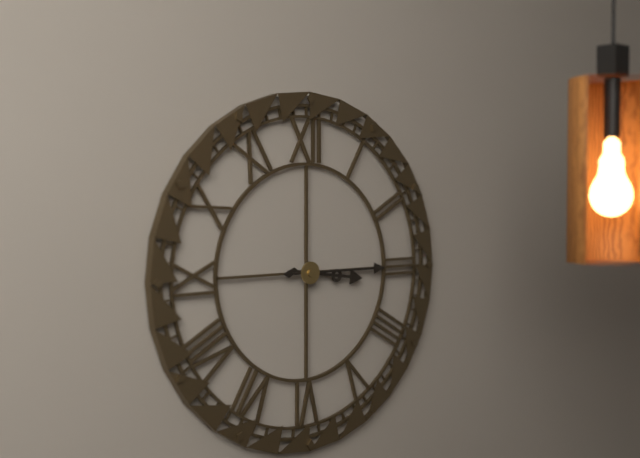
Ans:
h=3 m=15
